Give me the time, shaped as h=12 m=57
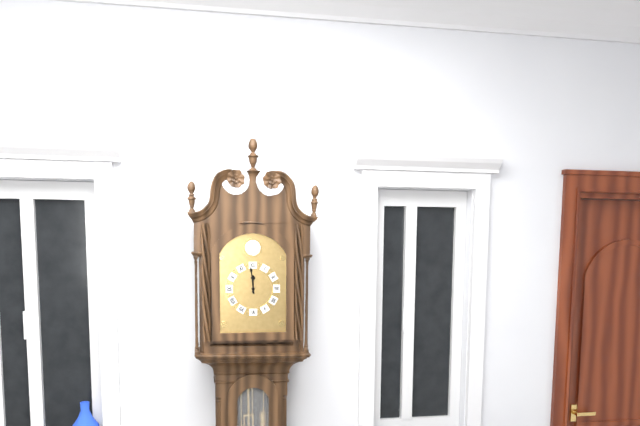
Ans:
h=11 m=59
